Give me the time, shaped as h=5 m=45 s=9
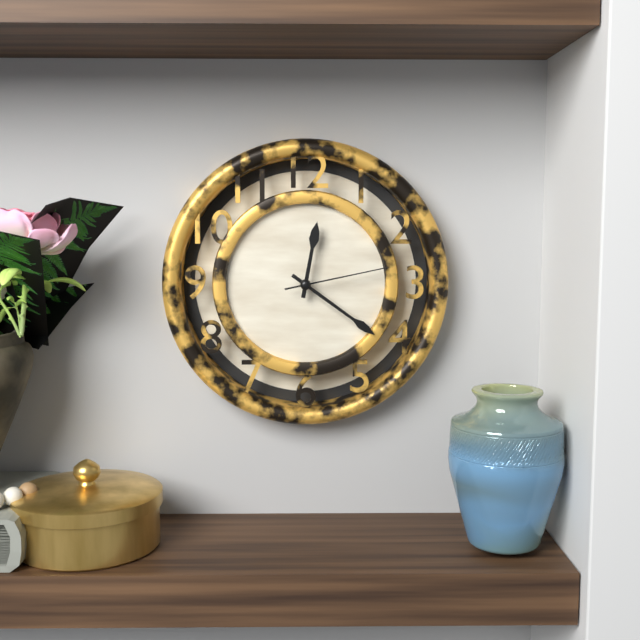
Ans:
h=12 m=21 s=13
